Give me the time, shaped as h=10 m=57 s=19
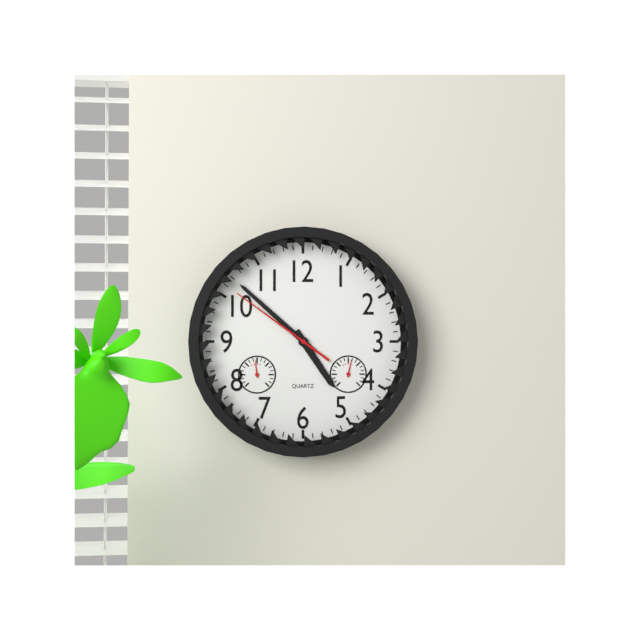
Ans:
h=4 m=52 s=51
